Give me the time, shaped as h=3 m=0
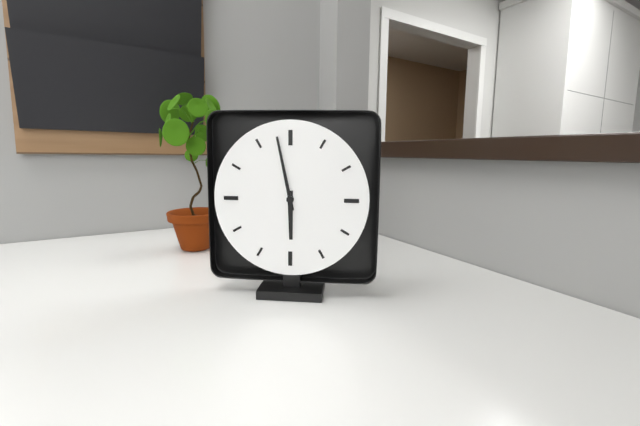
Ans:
h=5 m=58
